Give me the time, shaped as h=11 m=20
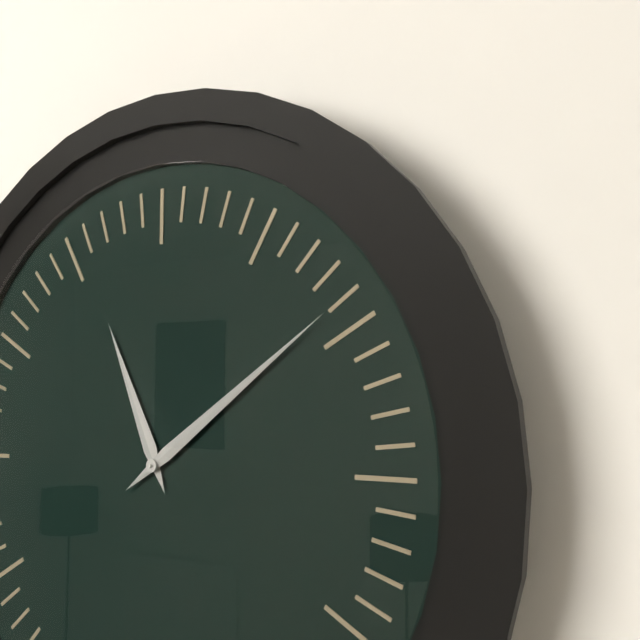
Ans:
h=11 m=9
